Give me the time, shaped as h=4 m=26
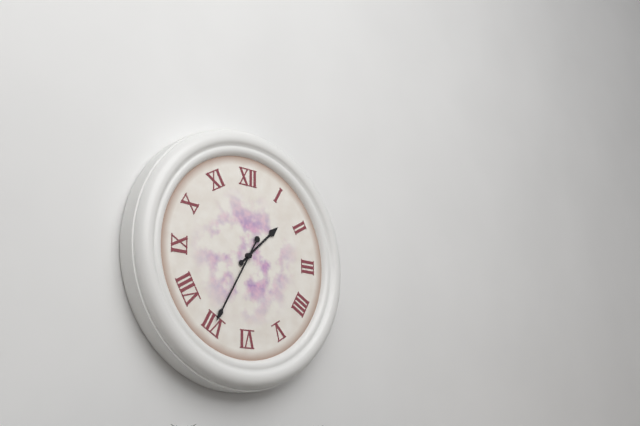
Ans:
h=1 m=35
